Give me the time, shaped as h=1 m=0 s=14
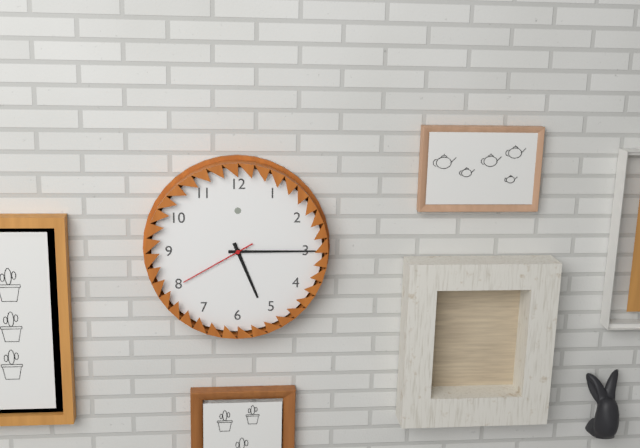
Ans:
h=5 m=15 s=40
